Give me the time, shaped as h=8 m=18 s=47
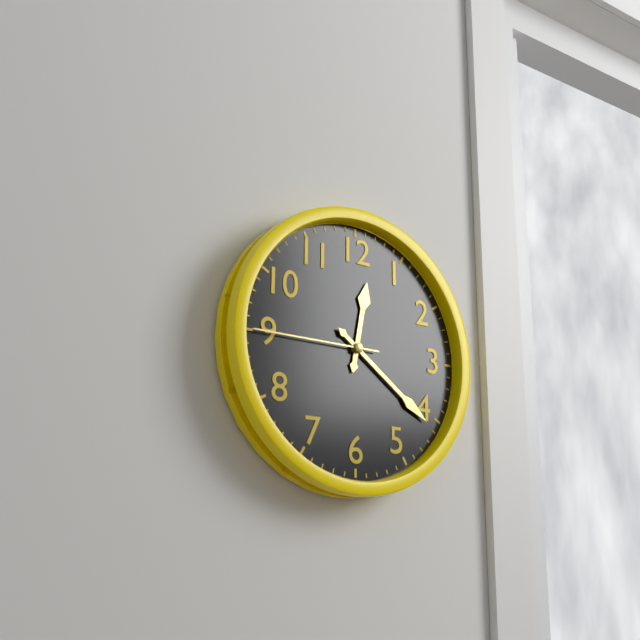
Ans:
h=12 m=21 s=45
